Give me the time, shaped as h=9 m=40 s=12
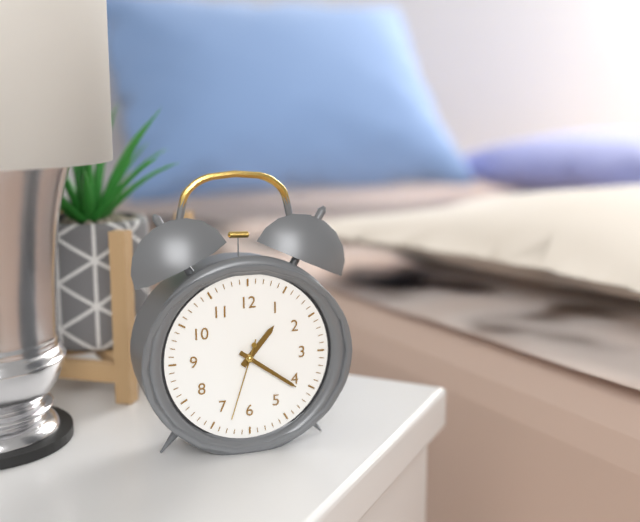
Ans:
h=1 m=21 s=33
